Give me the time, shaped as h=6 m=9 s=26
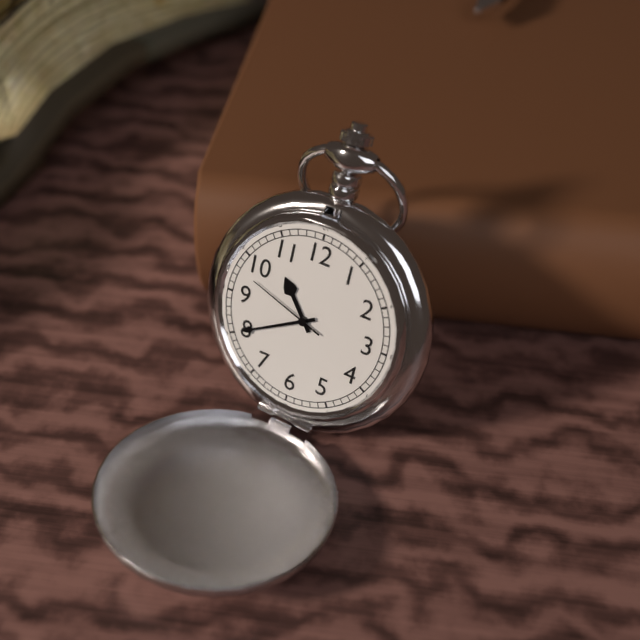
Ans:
h=10 m=40 s=48
